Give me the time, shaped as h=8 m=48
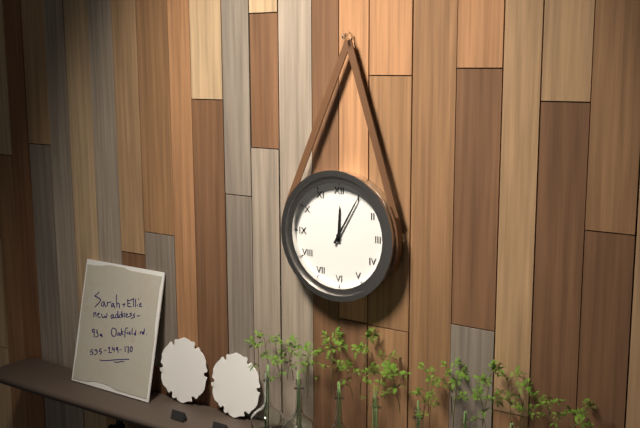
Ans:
h=12 m=5
